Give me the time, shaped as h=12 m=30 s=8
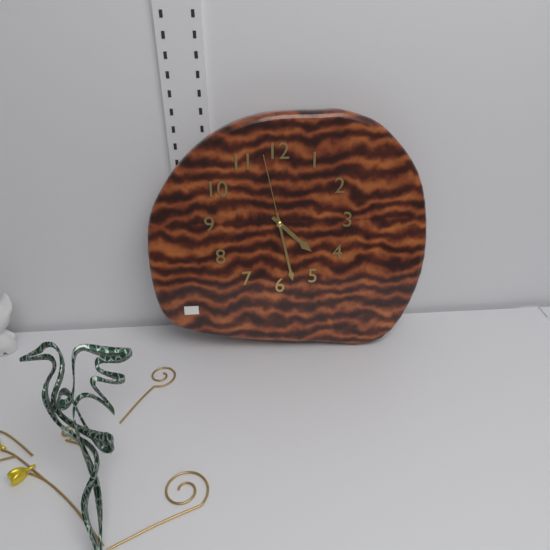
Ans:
h=4 m=28 s=58
